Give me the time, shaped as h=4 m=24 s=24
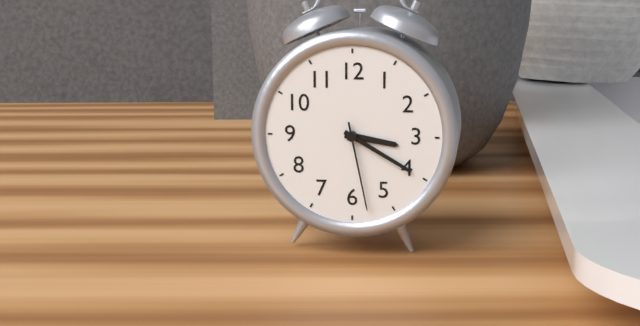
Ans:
h=3 m=20 s=28
